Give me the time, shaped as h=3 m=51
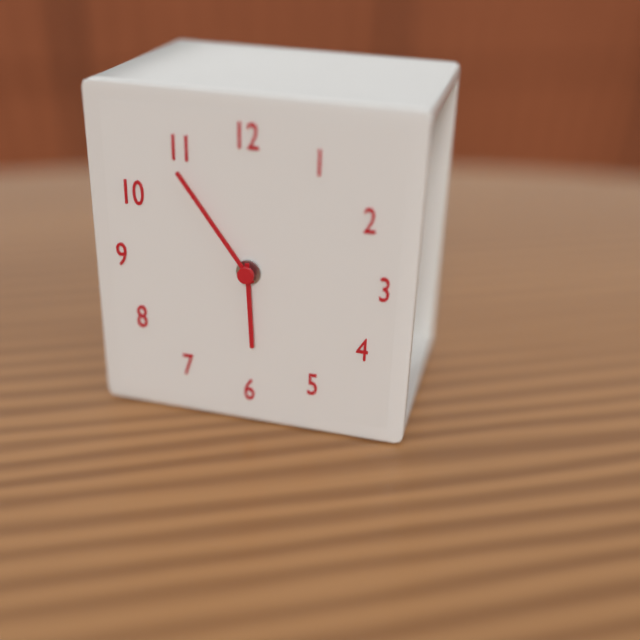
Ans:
h=5 m=54
